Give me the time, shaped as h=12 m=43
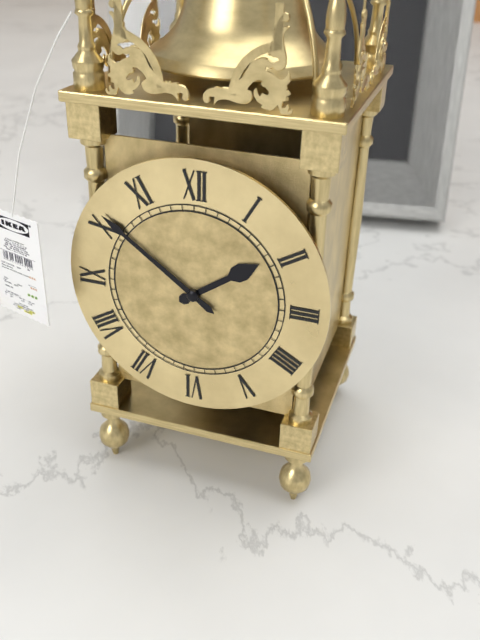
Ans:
h=1 m=51
